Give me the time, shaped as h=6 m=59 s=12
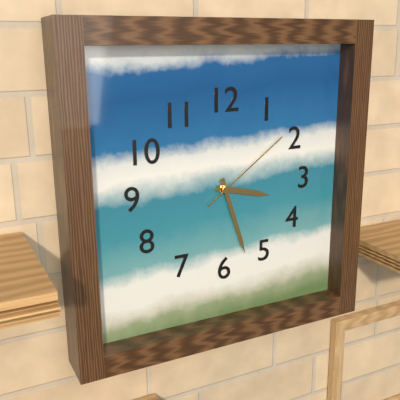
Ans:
h=3 m=27 s=9
